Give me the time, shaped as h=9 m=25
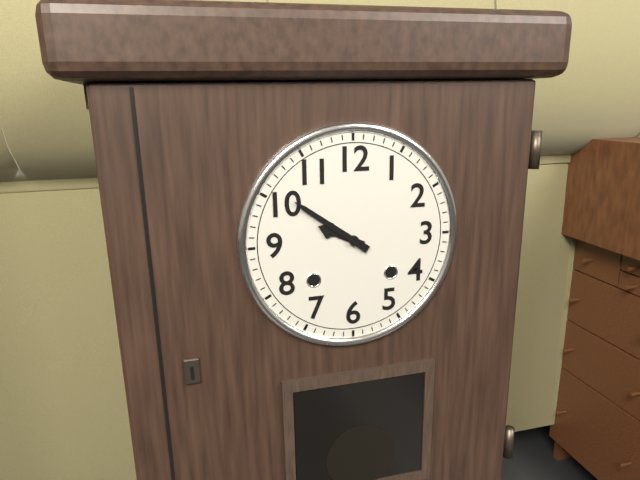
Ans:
h=9 m=51
